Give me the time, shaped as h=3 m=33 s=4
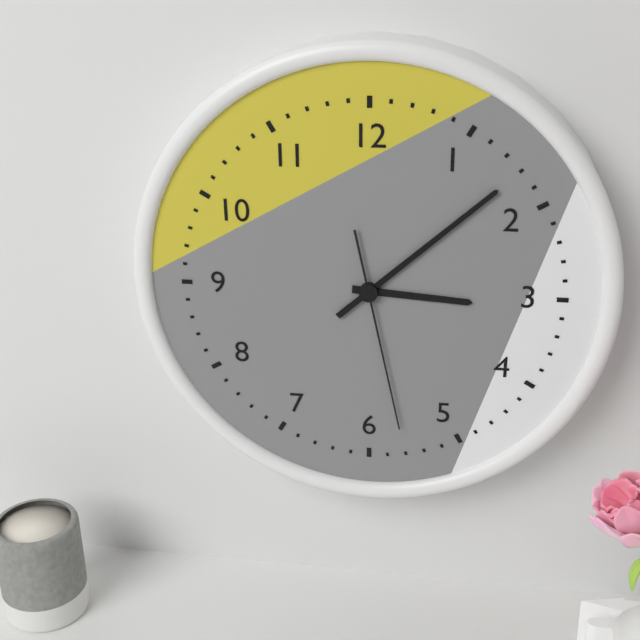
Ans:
h=3 m=8 s=28
